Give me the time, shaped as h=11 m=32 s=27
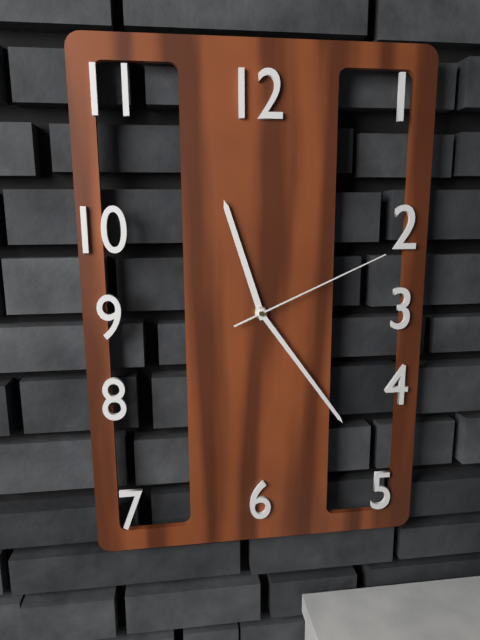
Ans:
h=11 m=24 s=11
